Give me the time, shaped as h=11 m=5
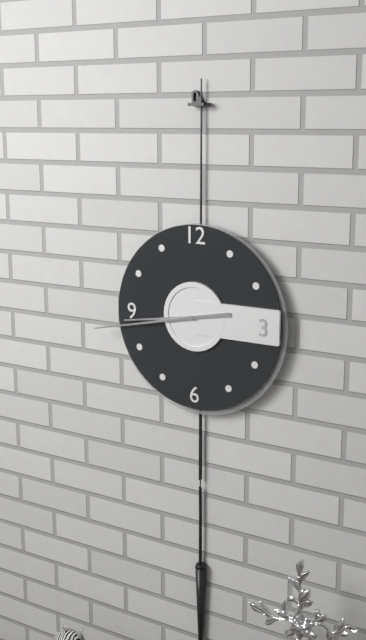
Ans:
h=8 m=43
